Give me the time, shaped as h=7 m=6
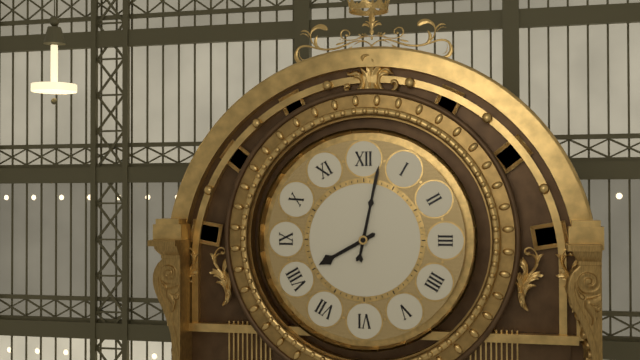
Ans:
h=8 m=2
